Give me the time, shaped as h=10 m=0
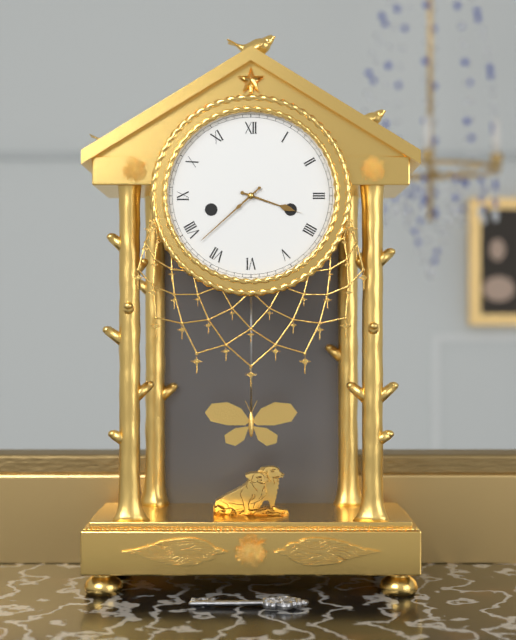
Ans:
h=3 m=38
